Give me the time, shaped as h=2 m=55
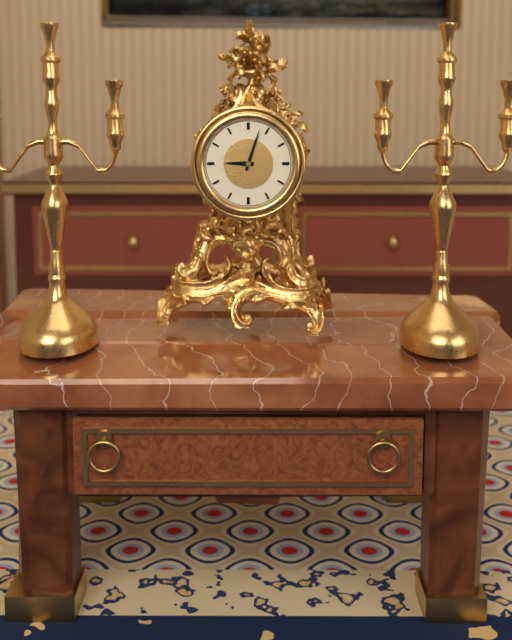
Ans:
h=9 m=3
